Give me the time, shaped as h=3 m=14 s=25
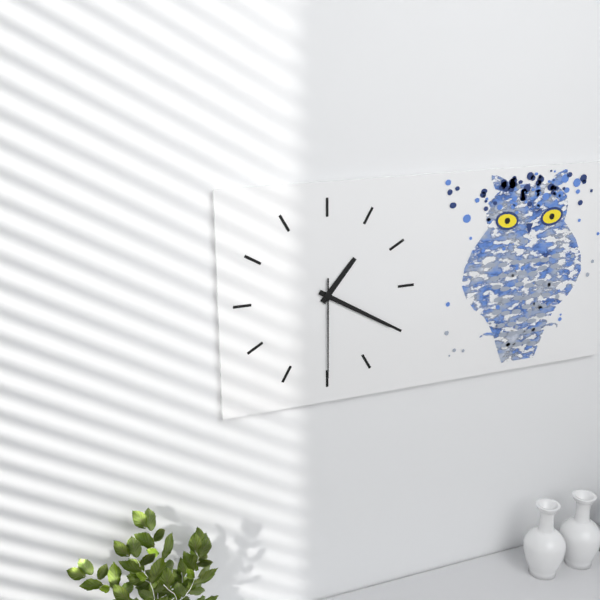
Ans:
h=1 m=20 s=30
